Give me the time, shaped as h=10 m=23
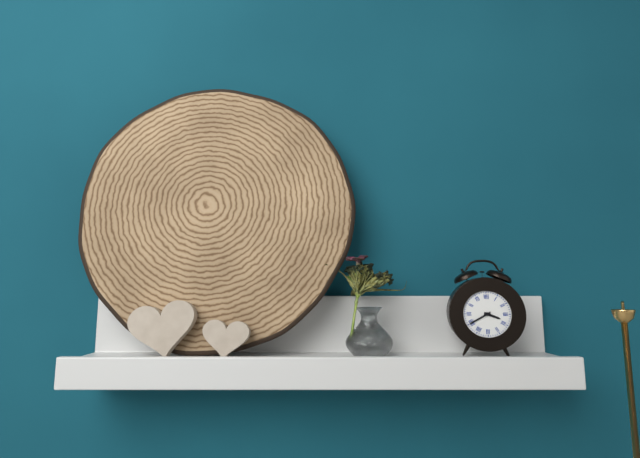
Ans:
h=3 m=40
